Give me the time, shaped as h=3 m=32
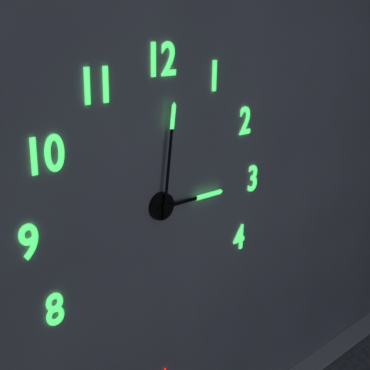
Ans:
h=3 m=1
